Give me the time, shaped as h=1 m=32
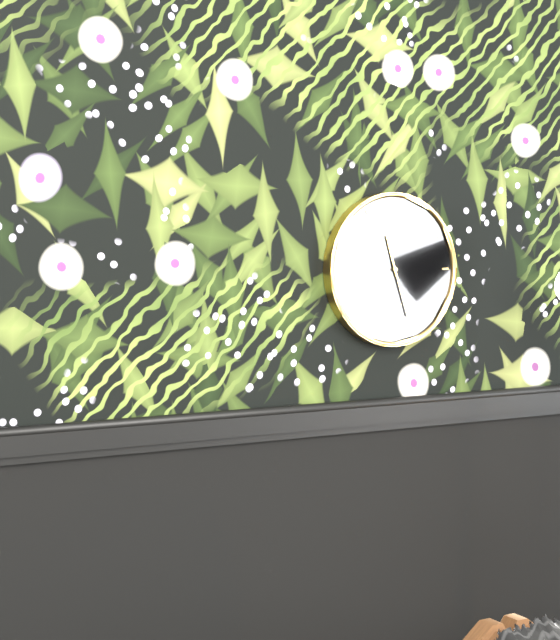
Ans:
h=11 m=27
